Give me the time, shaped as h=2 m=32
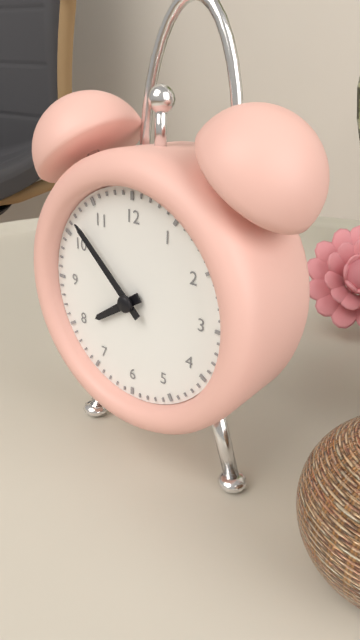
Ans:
h=7 m=52
